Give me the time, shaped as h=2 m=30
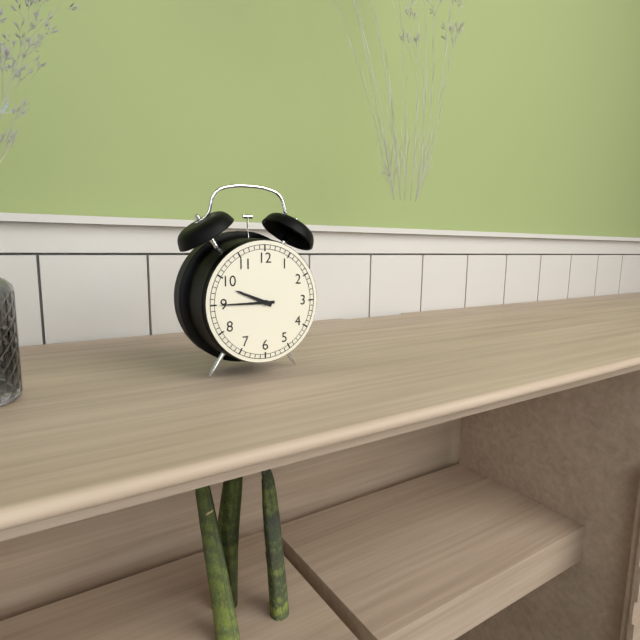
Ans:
h=9 m=45
